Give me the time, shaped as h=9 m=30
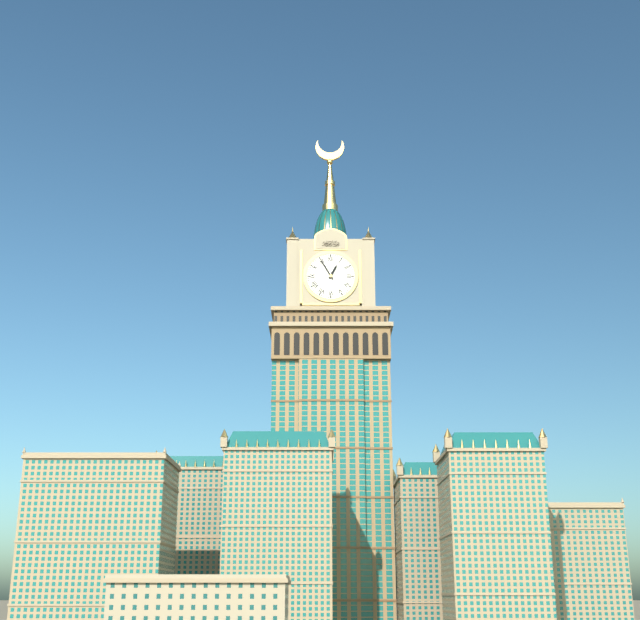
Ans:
h=12 m=55
